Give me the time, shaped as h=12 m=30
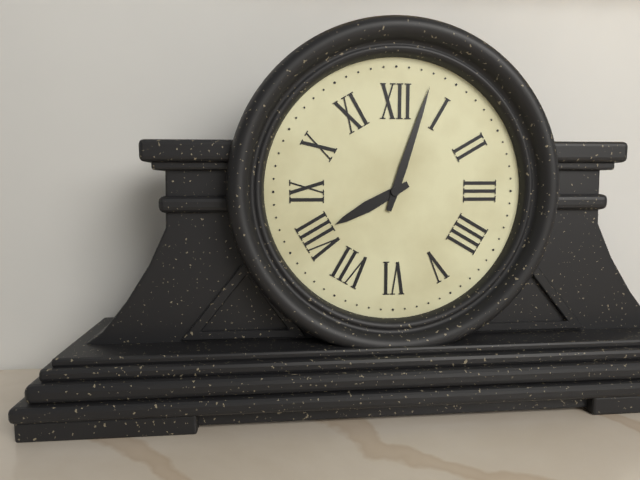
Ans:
h=8 m=3
